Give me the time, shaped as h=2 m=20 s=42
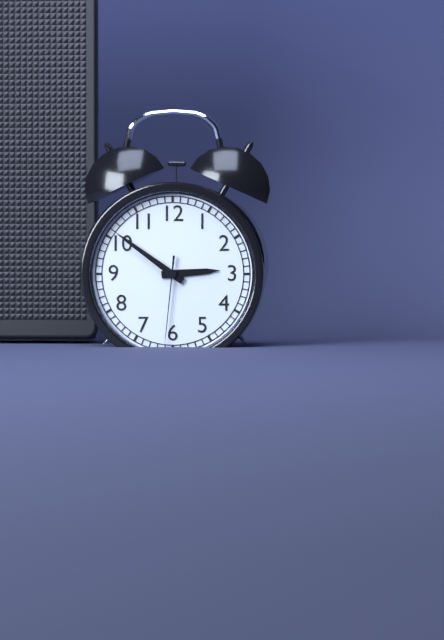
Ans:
h=2 m=51 s=31
